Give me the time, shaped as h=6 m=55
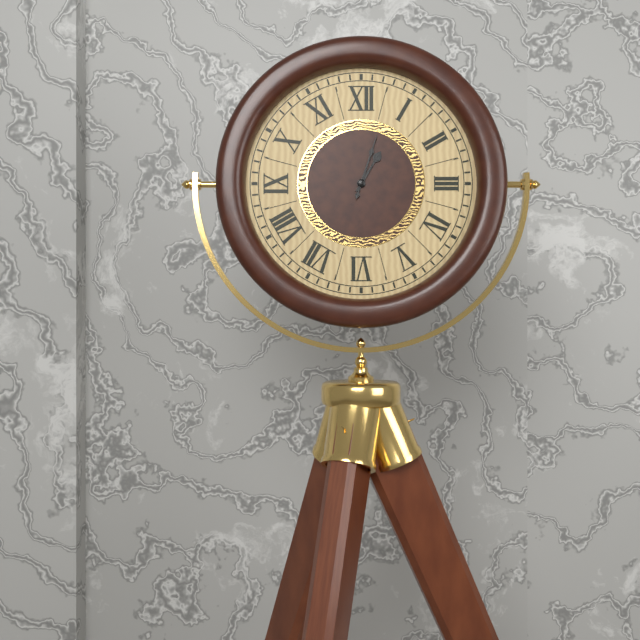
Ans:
h=1 m=3
